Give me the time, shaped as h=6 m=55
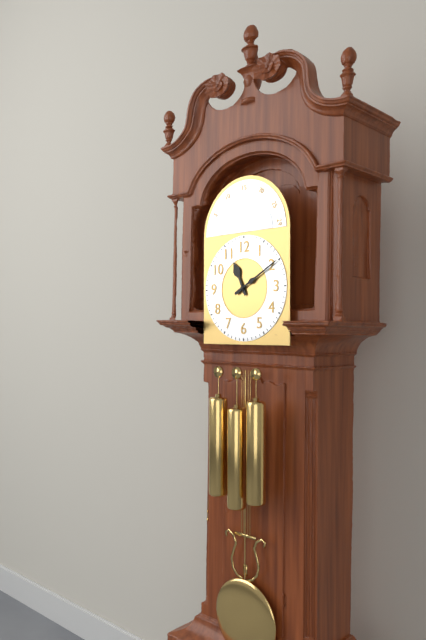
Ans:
h=11 m=10
